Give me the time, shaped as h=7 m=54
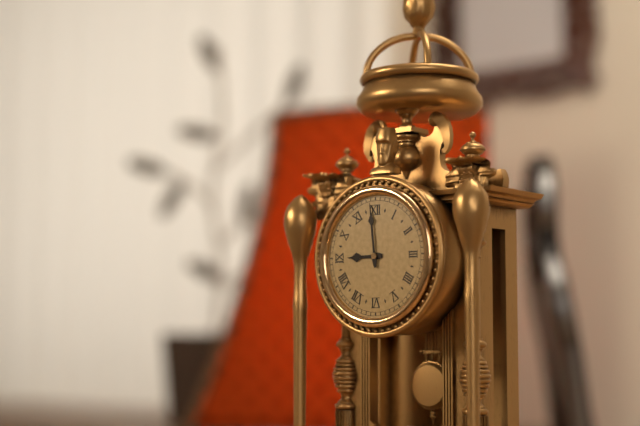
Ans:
h=8 m=59
